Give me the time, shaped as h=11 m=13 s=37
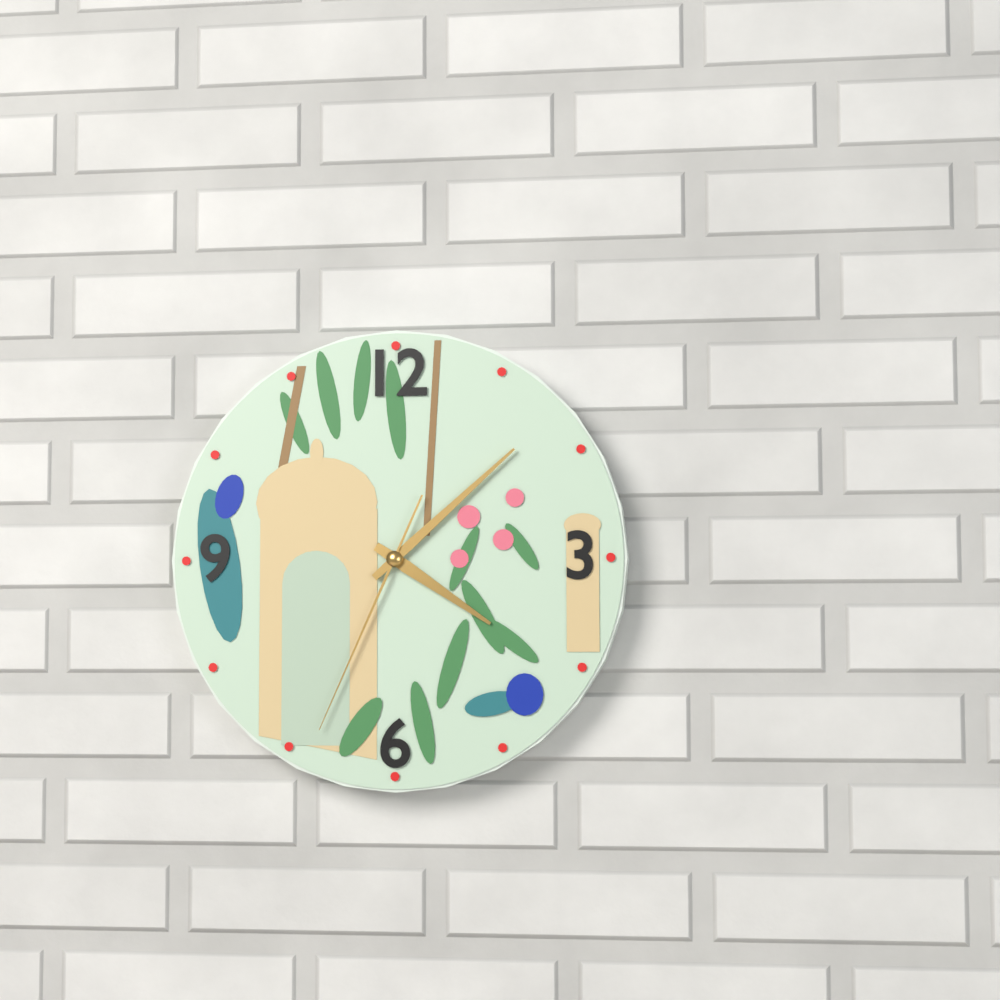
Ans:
h=4 m=8 s=34
